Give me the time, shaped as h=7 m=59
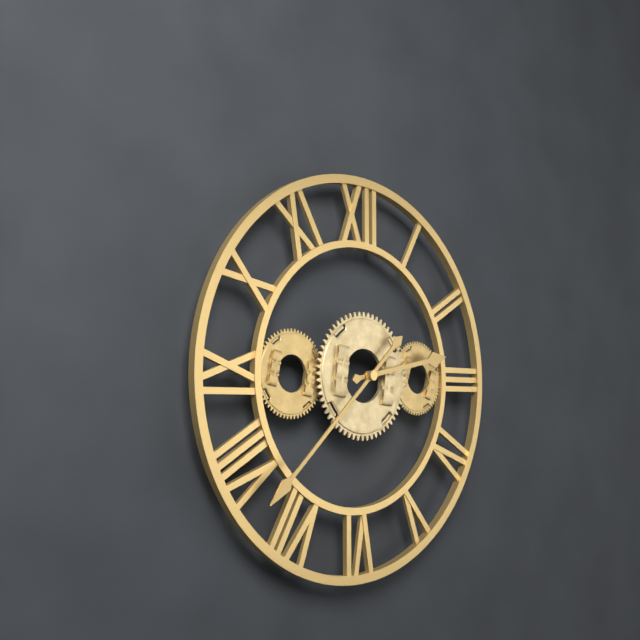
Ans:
h=2 m=38
